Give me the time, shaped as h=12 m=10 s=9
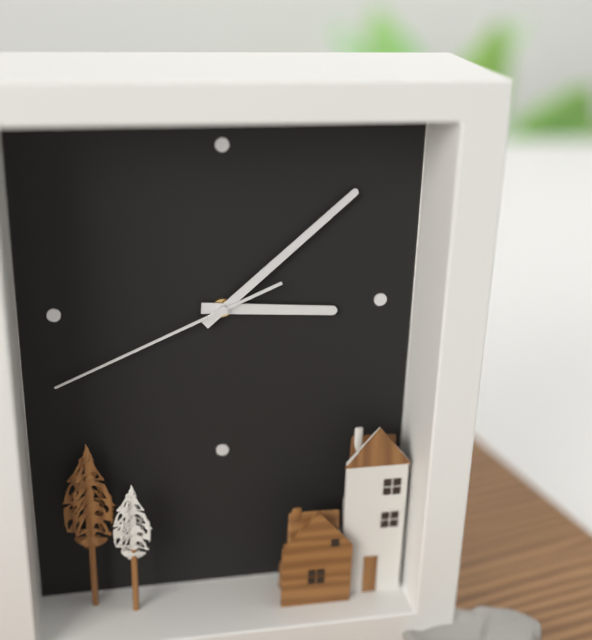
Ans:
h=3 m=8 s=41
